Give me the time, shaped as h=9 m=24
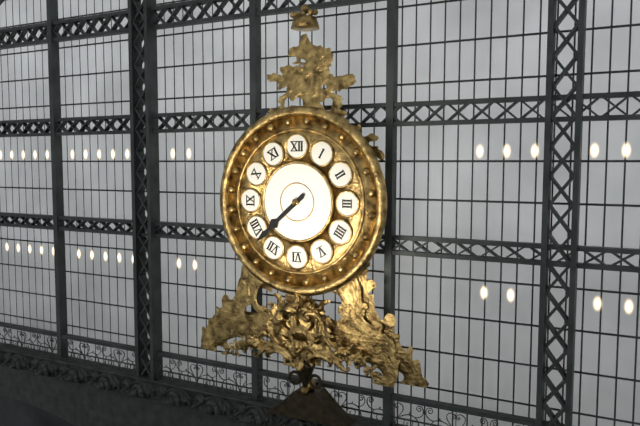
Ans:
h=7 m=38
